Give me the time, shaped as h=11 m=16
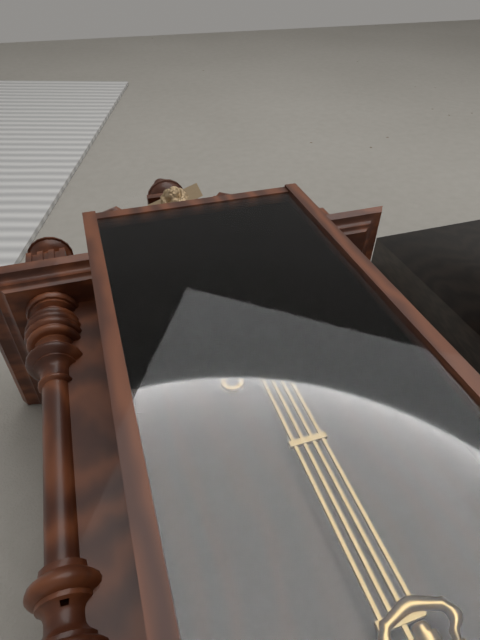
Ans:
h=1 m=37
